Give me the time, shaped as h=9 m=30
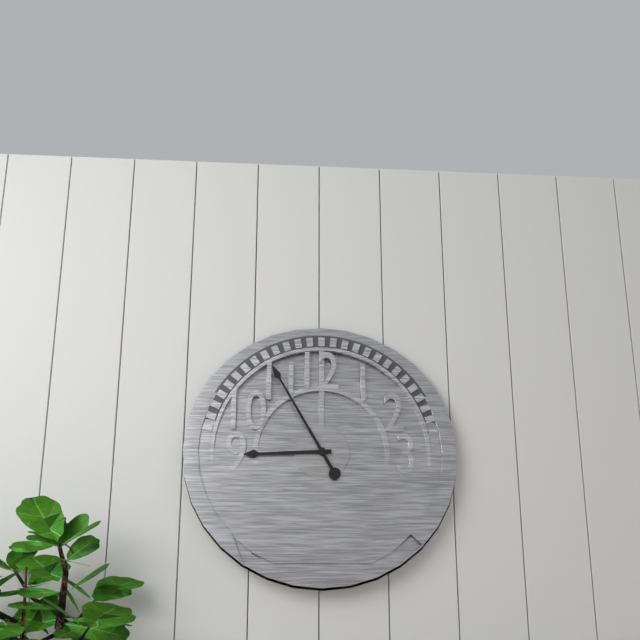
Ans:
h=8 m=55
